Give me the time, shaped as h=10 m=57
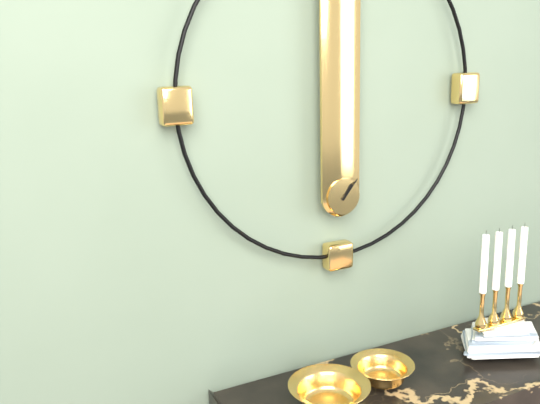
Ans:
h=1 m=7
